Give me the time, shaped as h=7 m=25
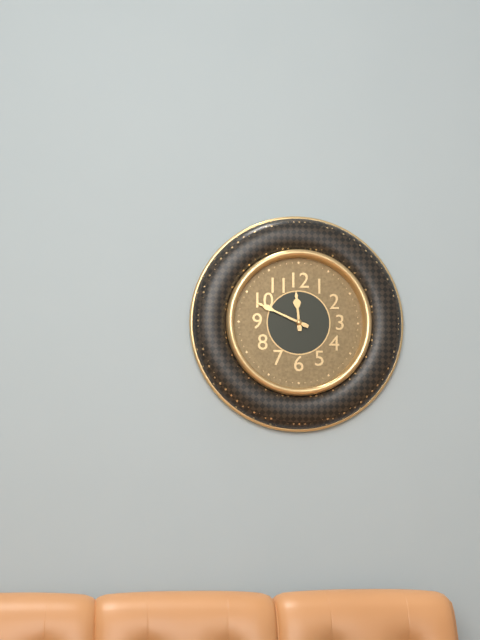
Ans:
h=11 m=49
